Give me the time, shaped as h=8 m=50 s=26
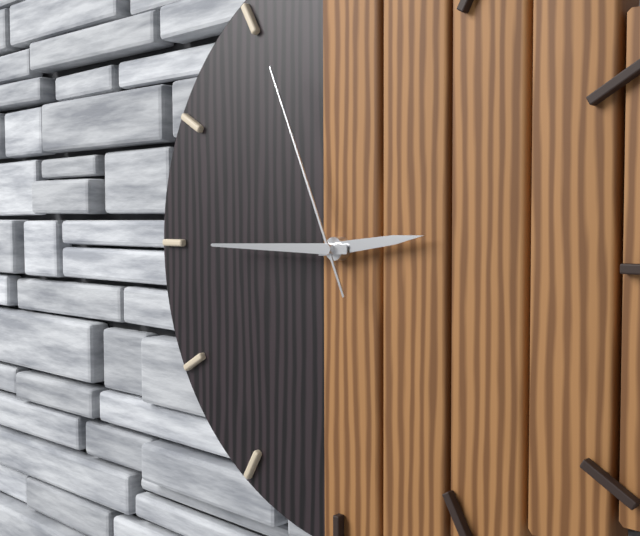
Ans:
h=2 m=45 s=56
